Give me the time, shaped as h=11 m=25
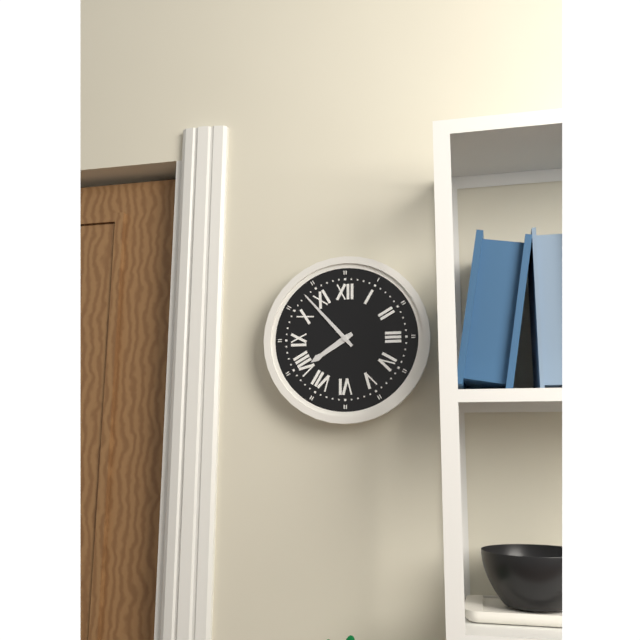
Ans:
h=7 m=53
